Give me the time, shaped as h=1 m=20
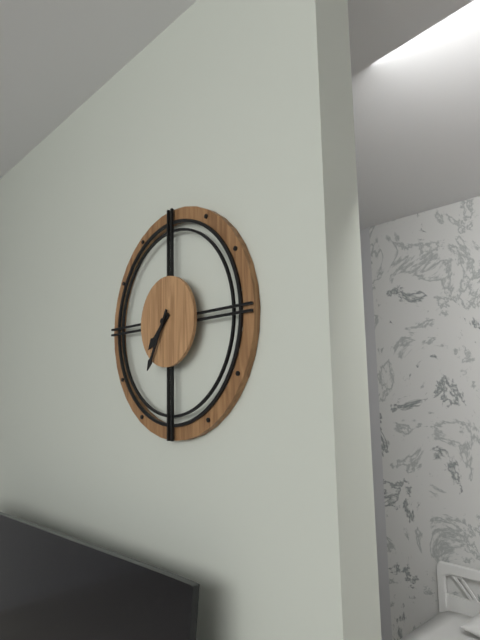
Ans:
h=7 m=35
